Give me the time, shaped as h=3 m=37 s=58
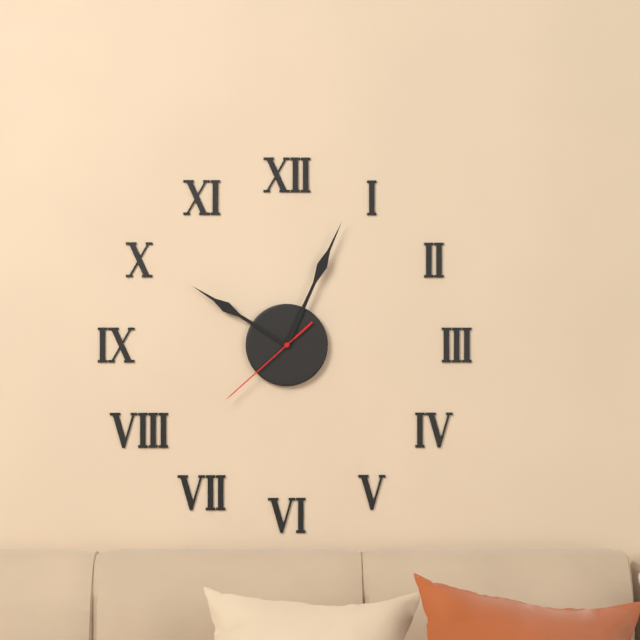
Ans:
h=10 m=4 s=38
